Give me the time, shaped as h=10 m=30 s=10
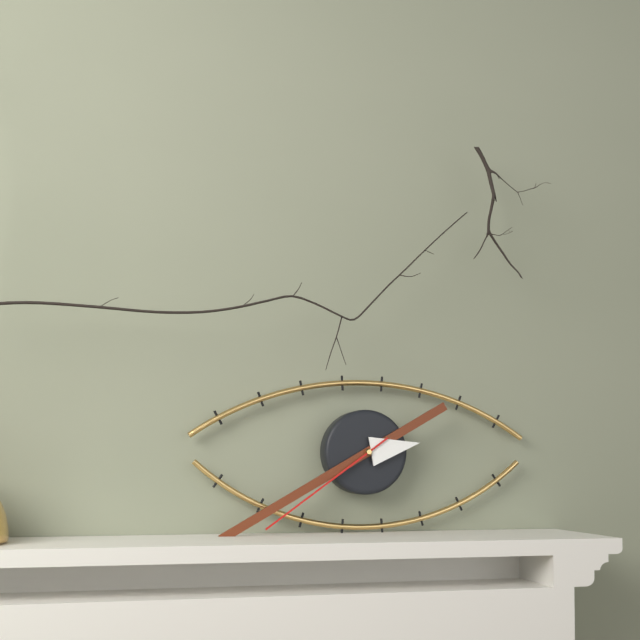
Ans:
h=2 m=40 s=39
